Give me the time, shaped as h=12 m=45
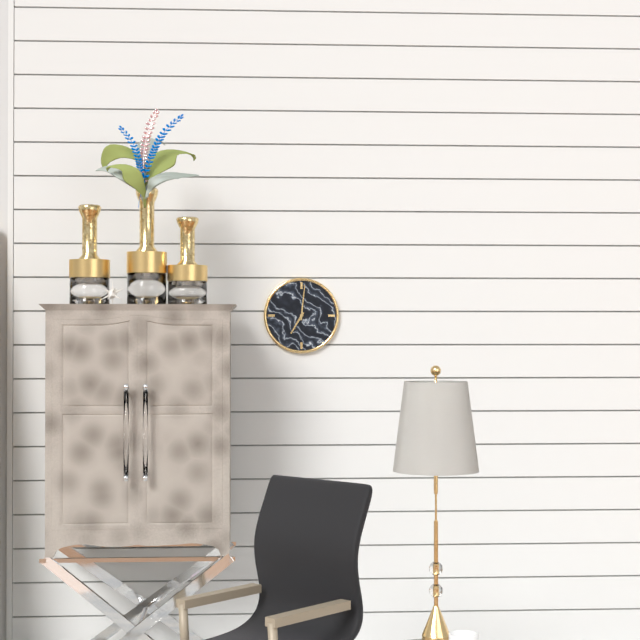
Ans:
h=7 m=1
